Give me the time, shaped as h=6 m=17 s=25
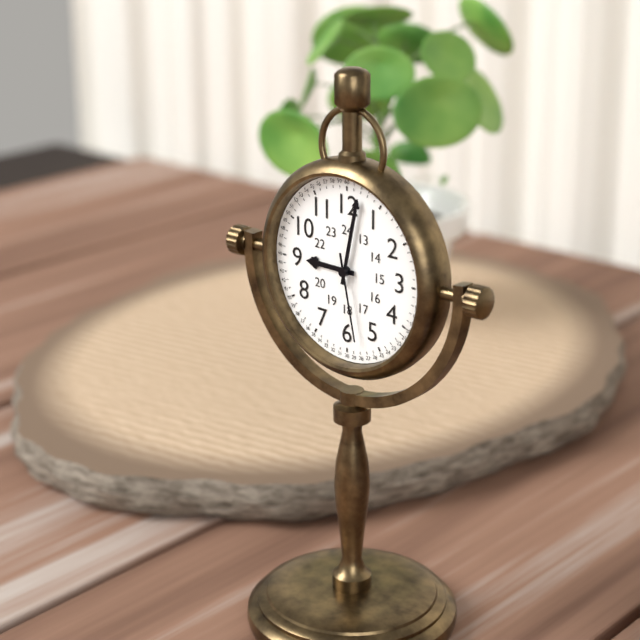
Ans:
h=9 m=2 s=28
